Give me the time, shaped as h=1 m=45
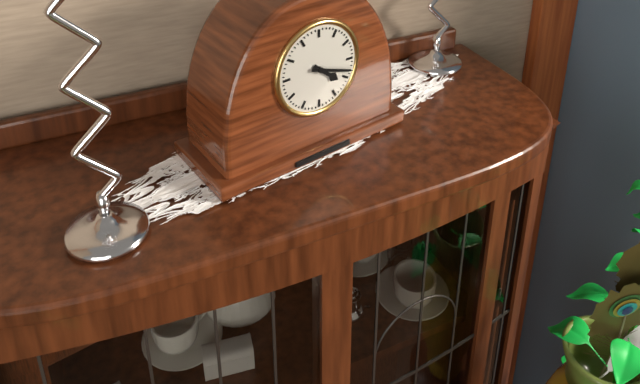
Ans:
h=4 m=18
